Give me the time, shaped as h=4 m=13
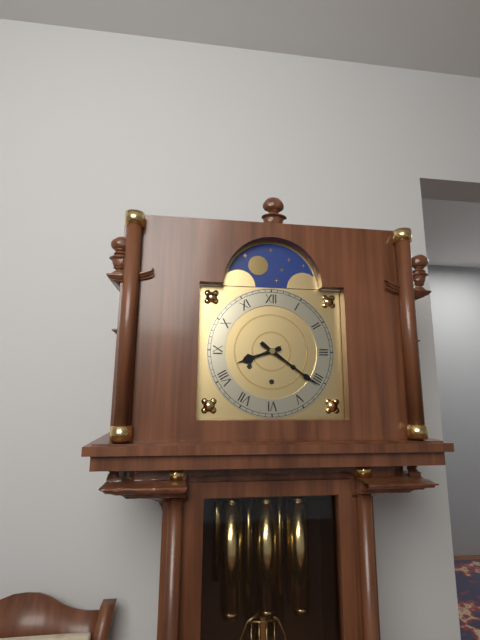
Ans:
h=8 m=21
